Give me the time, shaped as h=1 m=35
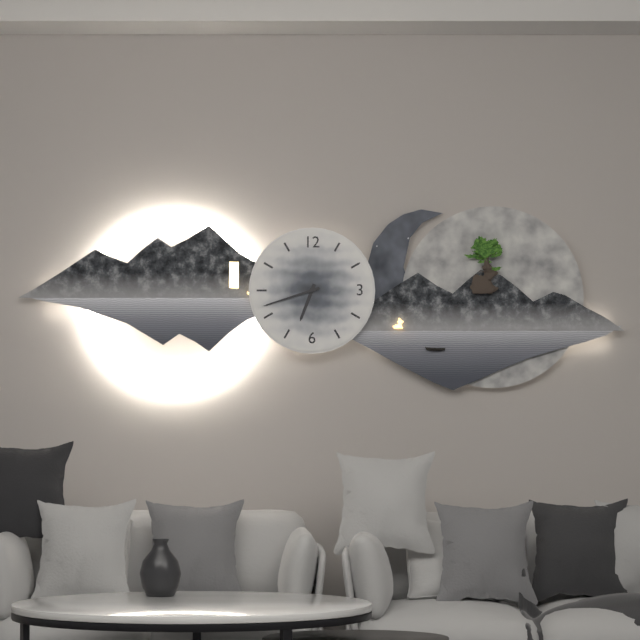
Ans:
h=6 m=42
